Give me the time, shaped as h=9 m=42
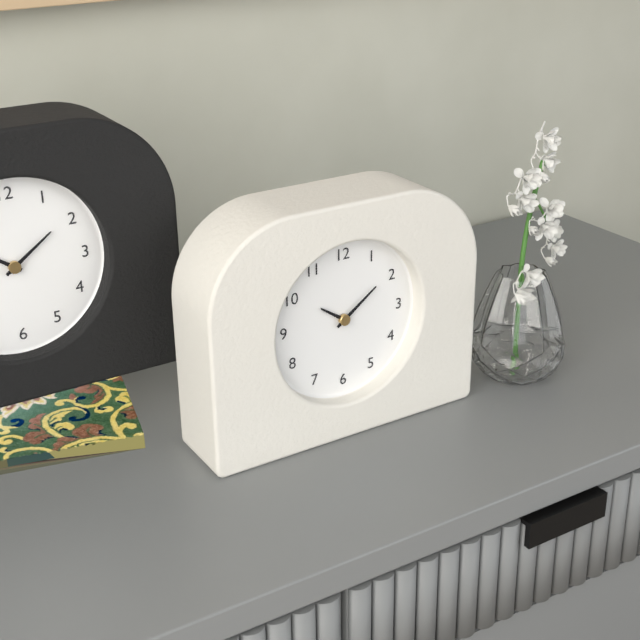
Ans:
h=10 m=9
